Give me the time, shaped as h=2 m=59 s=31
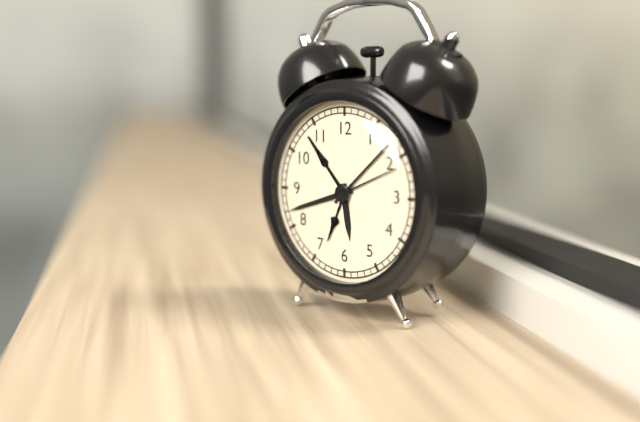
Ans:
h=5 m=42 s=11
